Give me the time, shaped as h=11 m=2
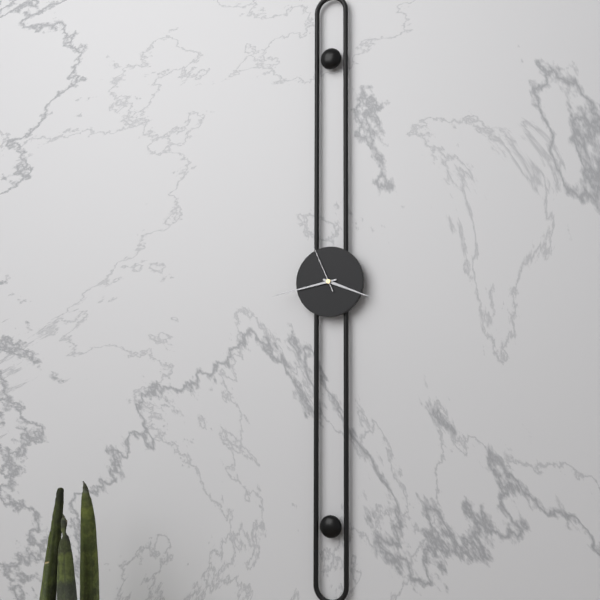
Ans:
h=3 m=43
